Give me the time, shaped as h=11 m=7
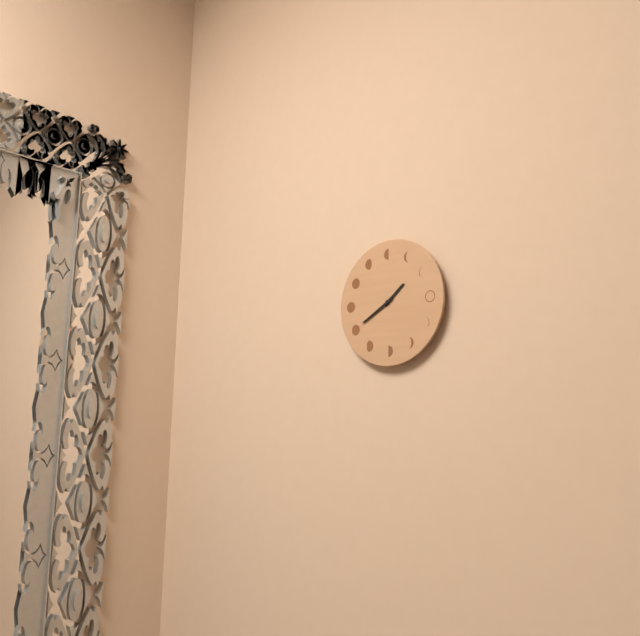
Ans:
h=1 m=40
